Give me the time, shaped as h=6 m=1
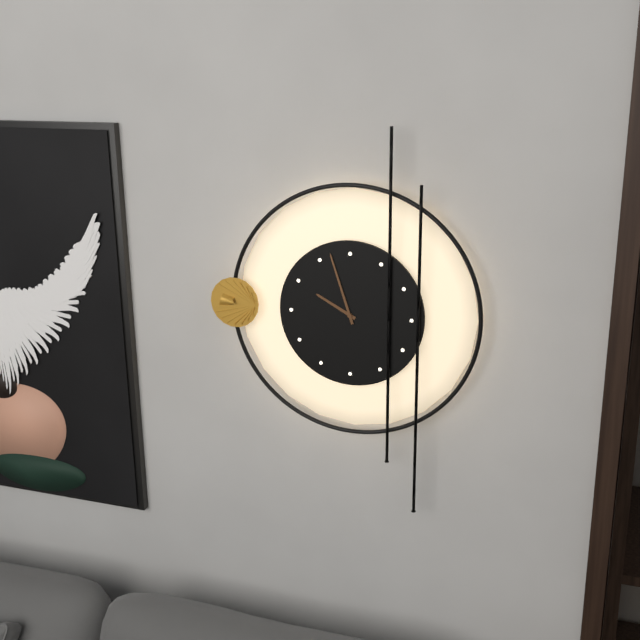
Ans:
h=9 m=57
